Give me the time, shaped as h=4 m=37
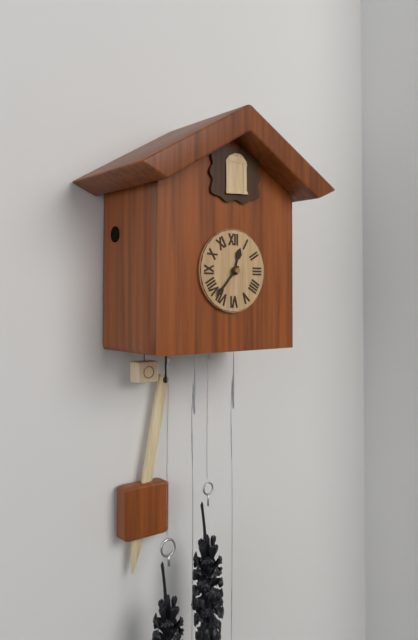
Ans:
h=12 m=37
